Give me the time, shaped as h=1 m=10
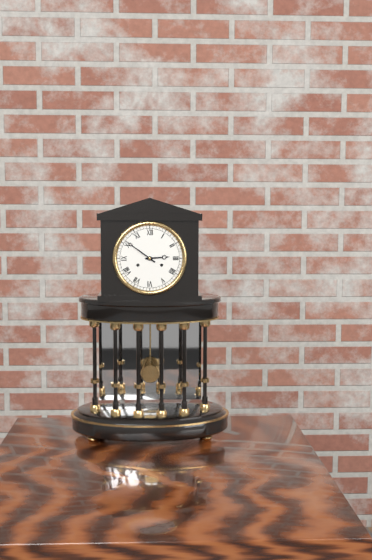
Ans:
h=2 m=51
